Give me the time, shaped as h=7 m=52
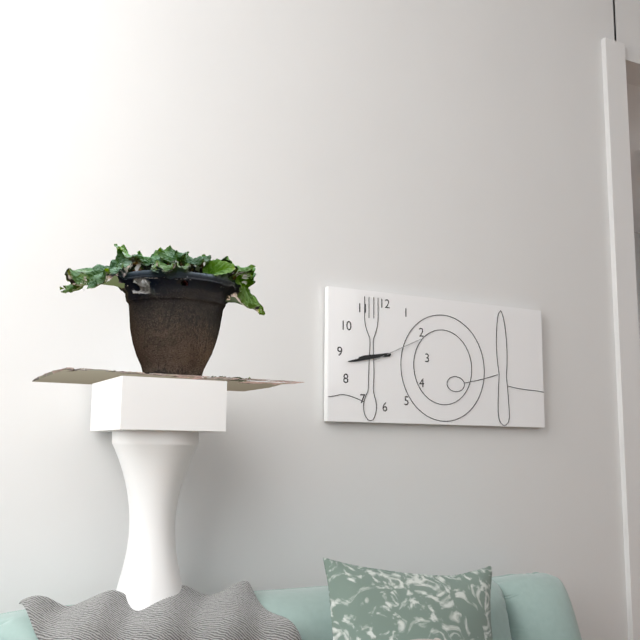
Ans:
h=8 m=43
